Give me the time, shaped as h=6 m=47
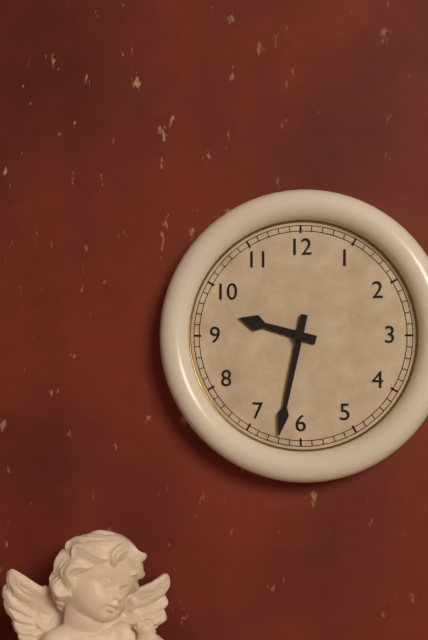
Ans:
h=9 m=32
